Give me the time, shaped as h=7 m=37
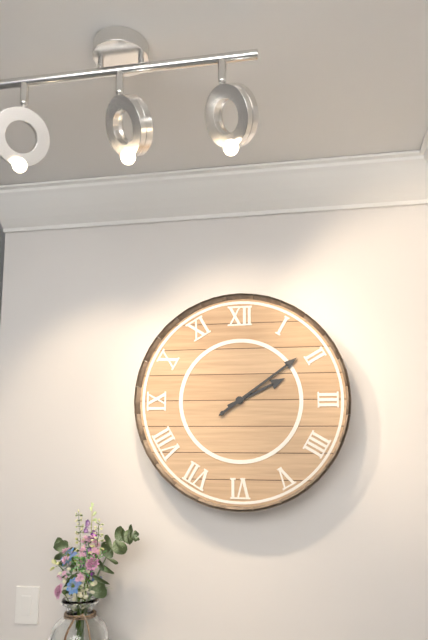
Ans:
h=2 m=9
